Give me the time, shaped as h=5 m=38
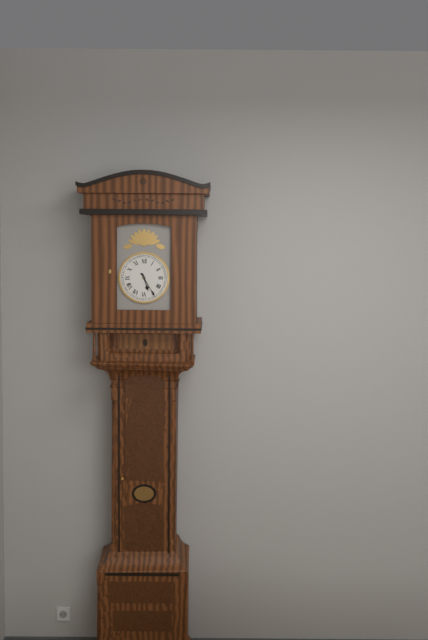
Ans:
h=5 m=25
